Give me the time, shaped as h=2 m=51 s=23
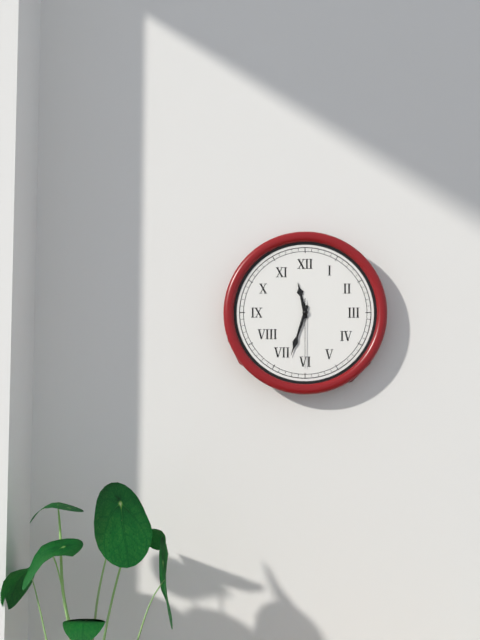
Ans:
h=11 m=33 s=30
